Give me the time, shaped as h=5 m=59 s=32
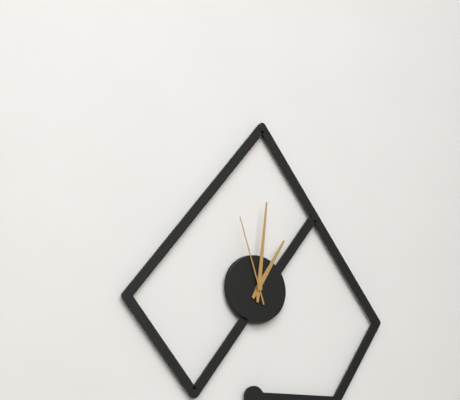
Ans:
h=1 m=1 s=57
